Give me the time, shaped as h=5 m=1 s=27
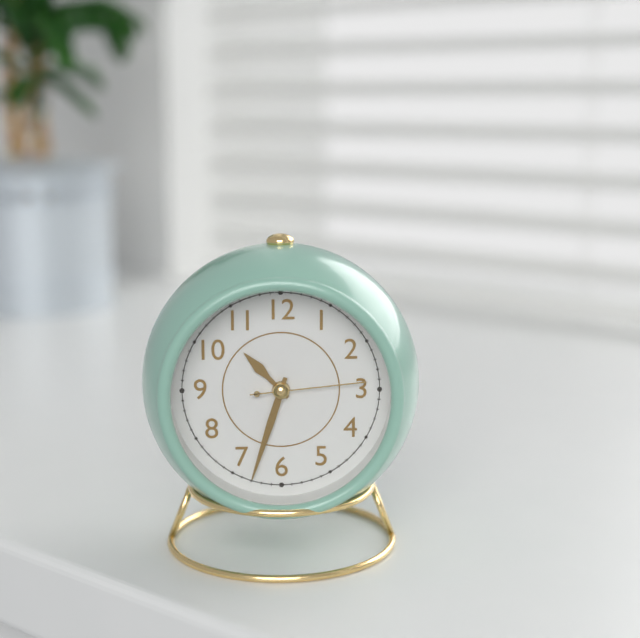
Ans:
h=10 m=33 s=14
